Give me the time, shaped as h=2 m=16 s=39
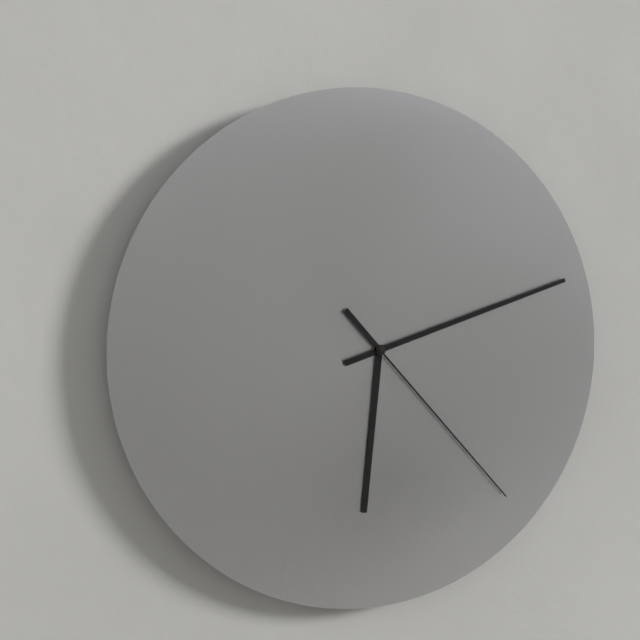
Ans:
h=6 m=12 s=23
